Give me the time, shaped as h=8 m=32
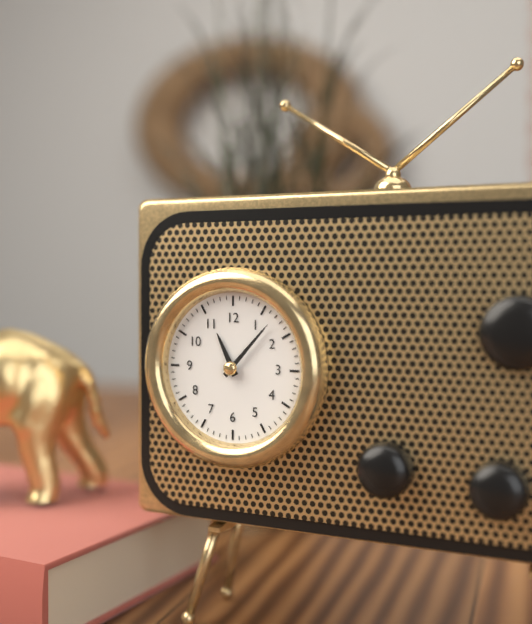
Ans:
h=11 m=7
